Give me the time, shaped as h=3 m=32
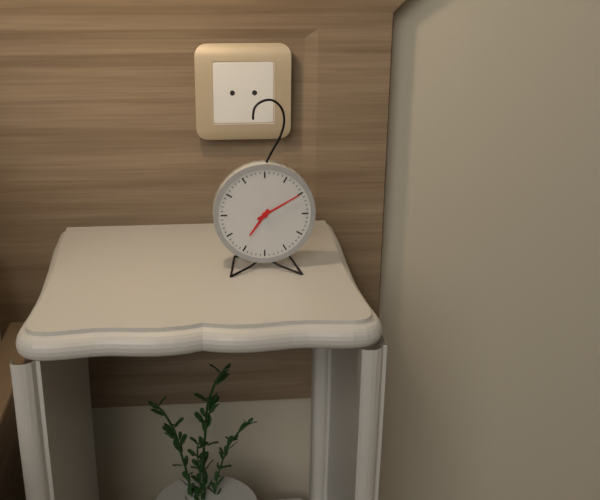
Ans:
h=7 m=10
